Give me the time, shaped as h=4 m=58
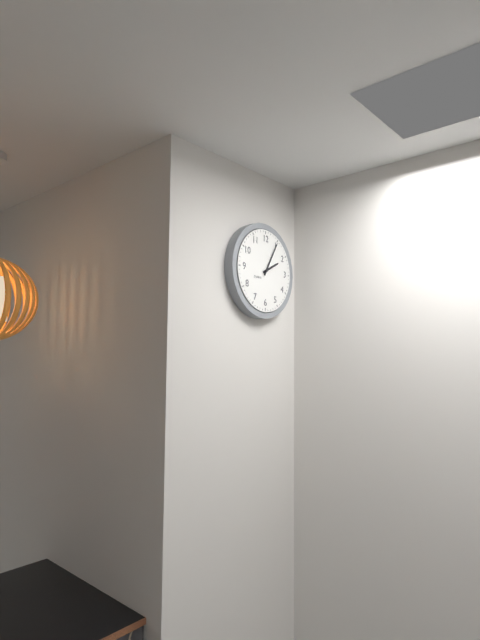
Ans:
h=2 m=5
